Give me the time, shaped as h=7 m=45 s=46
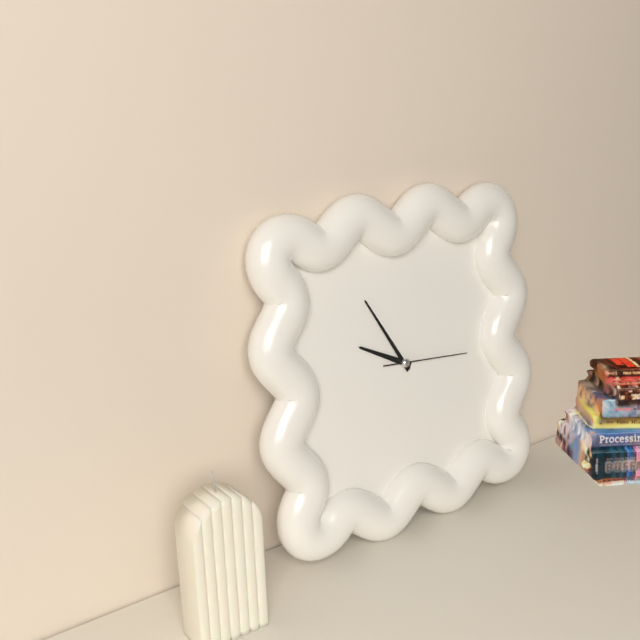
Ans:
h=9 m=55 s=16
